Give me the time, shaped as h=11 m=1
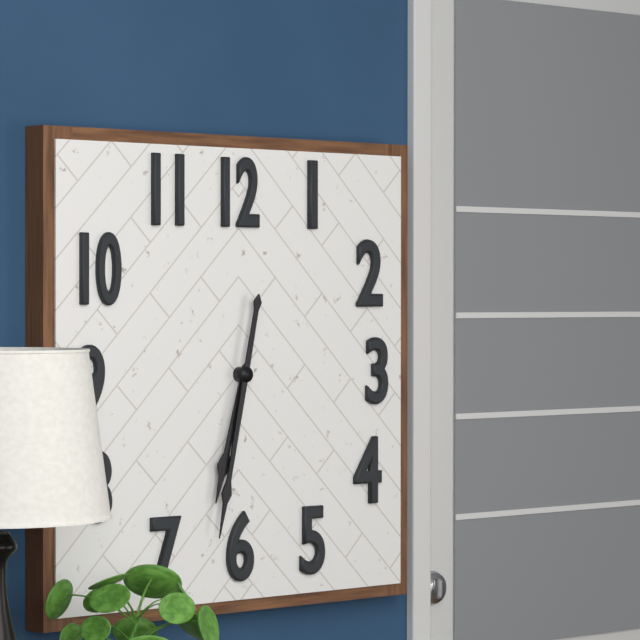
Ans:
h=6 m=32
